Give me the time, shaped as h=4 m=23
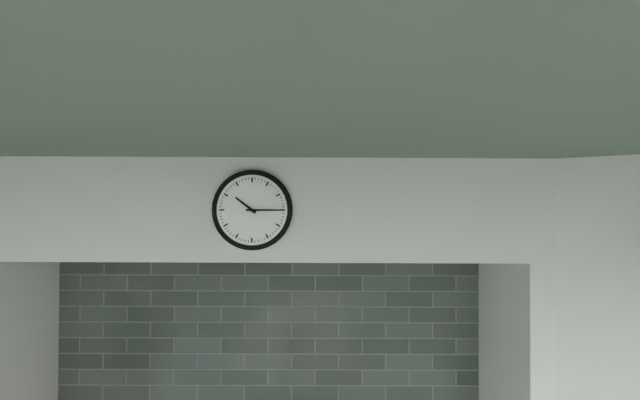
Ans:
h=10 m=15
